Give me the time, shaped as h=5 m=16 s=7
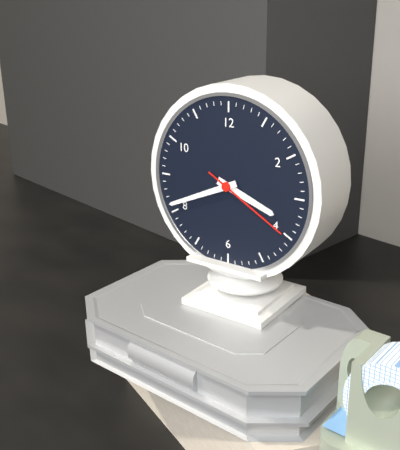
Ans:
h=3 m=41 s=20
